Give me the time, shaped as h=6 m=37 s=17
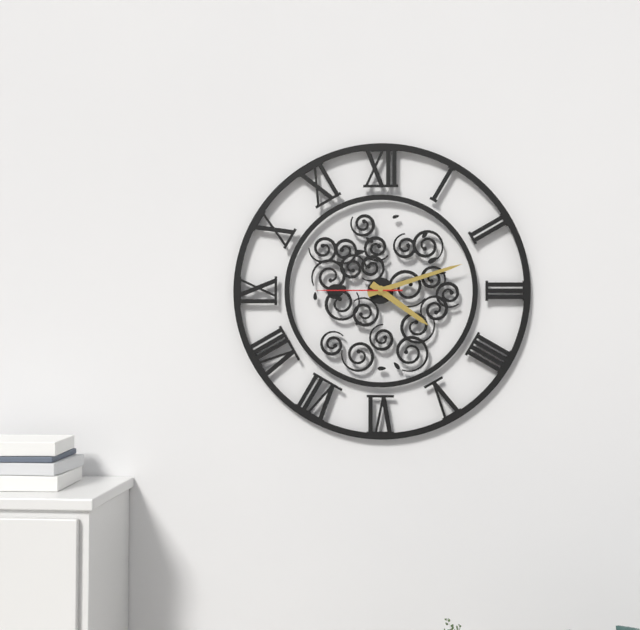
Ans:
h=4 m=12 s=45
